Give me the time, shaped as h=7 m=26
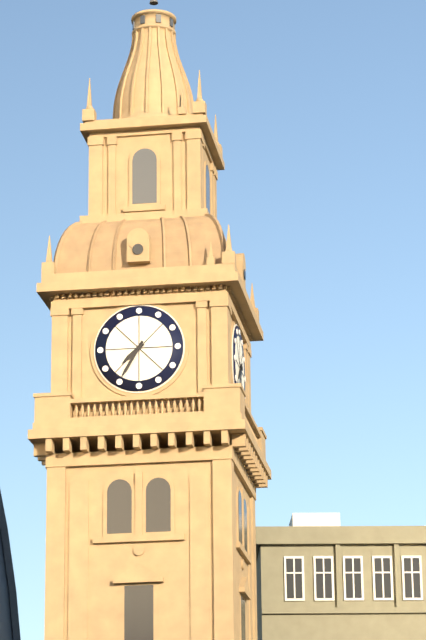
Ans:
h=7 m=35
